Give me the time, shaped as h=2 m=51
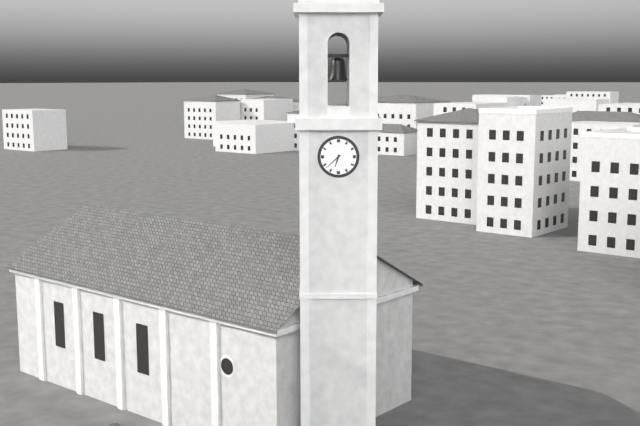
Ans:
h=6 m=38
